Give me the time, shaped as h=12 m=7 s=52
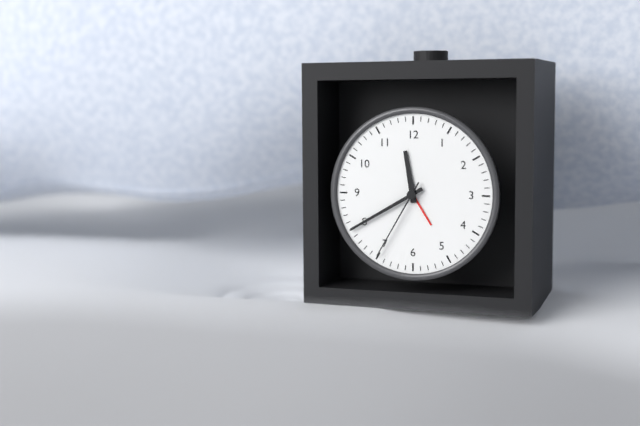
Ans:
h=11 m=40 s=35
